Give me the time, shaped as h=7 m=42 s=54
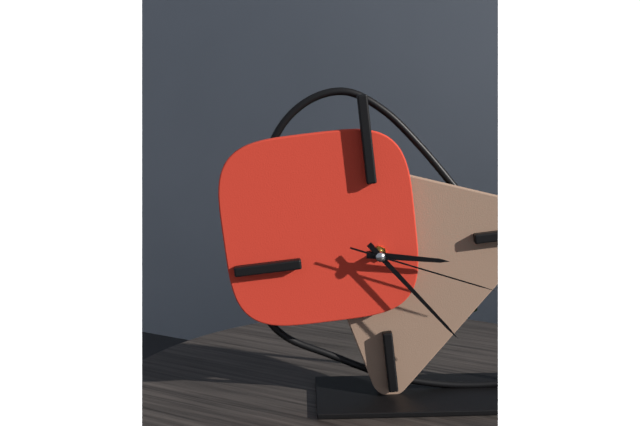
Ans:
h=3 m=24 s=19
